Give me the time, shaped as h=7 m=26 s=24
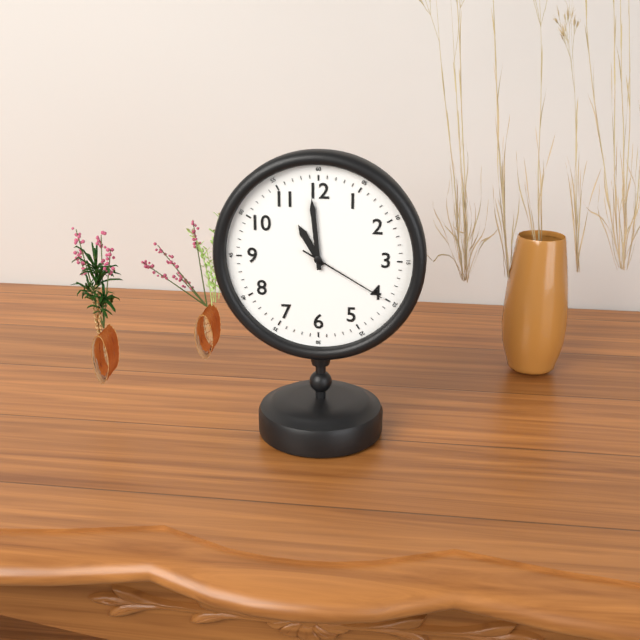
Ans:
h=10 m=59 s=20
